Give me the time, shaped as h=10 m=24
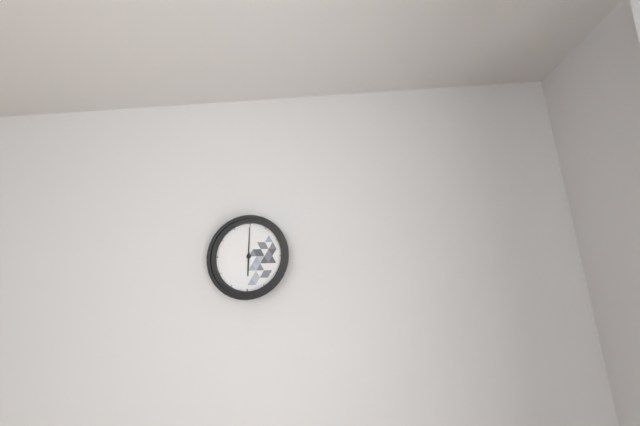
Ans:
h=6 m=0
